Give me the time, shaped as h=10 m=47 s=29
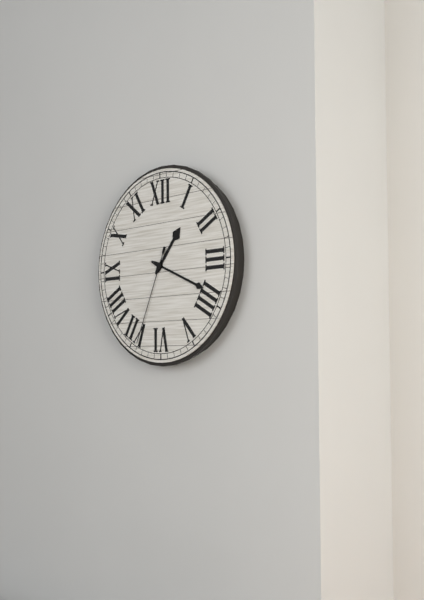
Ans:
h=1 m=19 s=34
